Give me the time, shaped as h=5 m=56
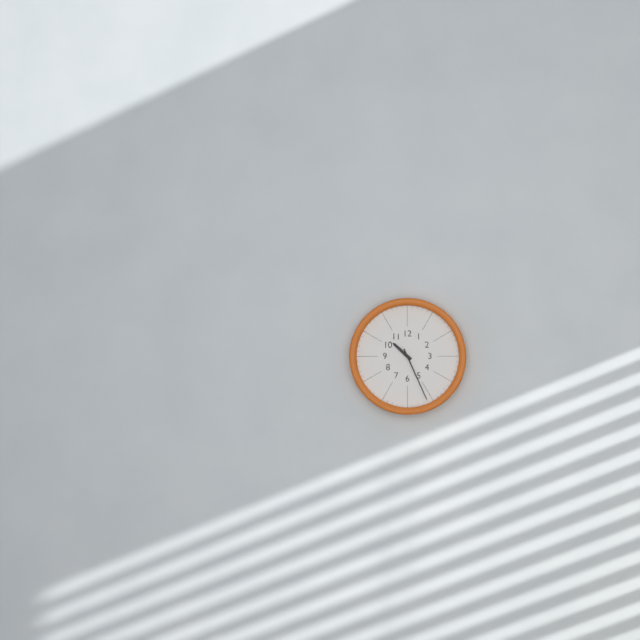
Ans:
h=10 m=26
